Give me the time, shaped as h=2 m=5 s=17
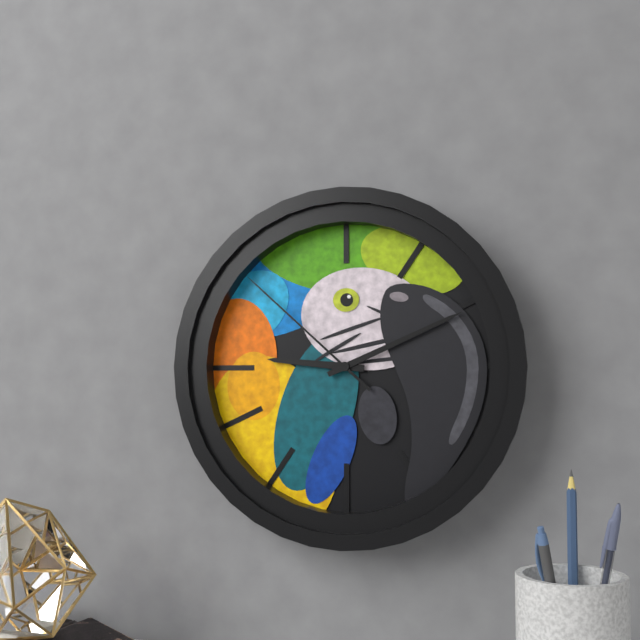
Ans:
h=9 m=11 s=52
